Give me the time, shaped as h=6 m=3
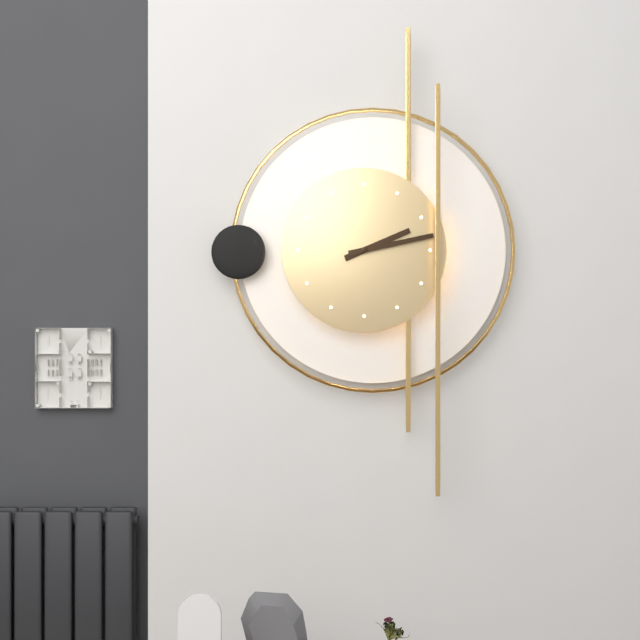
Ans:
h=2 m=13
